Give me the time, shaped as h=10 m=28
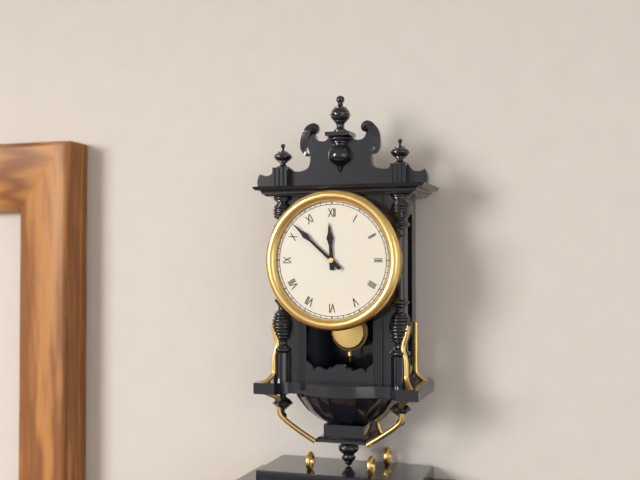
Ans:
h=11 m=52
